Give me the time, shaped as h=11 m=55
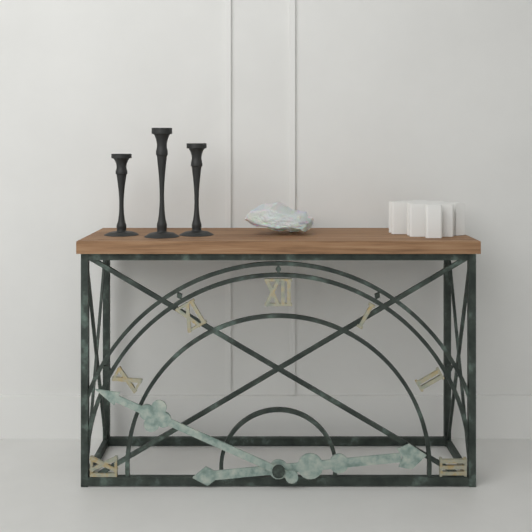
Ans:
h=2 m=49
